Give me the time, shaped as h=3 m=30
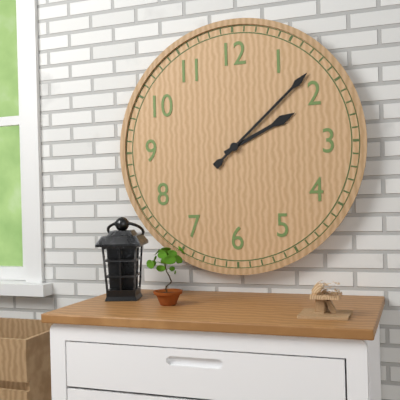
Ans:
h=2 m=8
